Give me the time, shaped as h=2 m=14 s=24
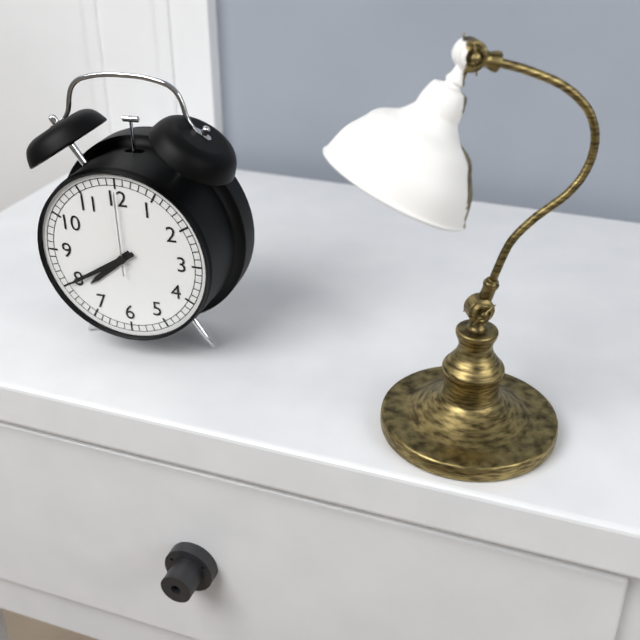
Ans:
h=7 m=40 s=0
